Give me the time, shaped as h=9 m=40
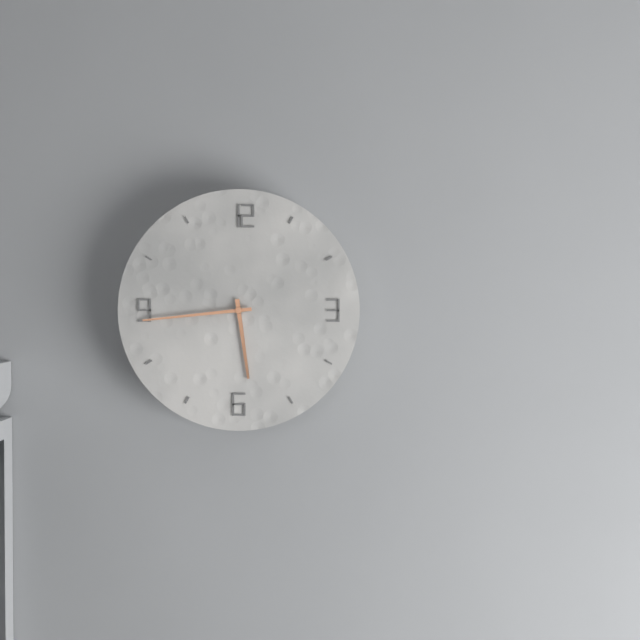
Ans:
h=5 m=44
